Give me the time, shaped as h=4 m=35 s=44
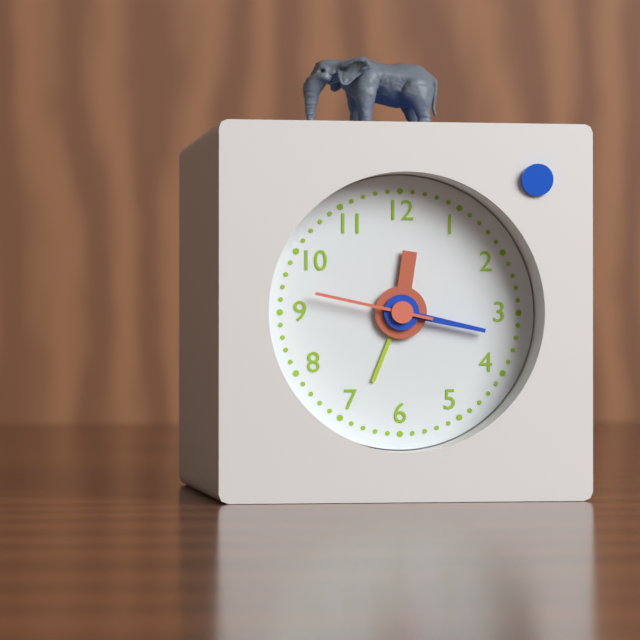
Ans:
h=12 m=17 s=47
